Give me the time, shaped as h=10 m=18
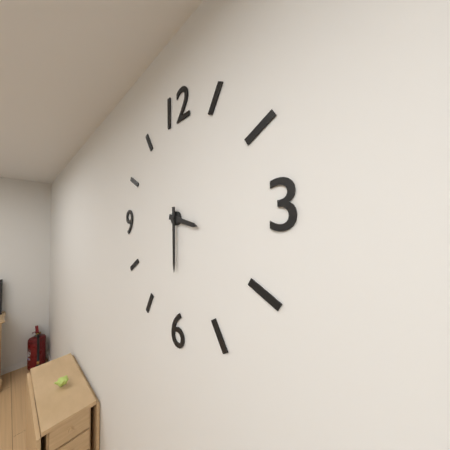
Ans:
h=3 m=30
